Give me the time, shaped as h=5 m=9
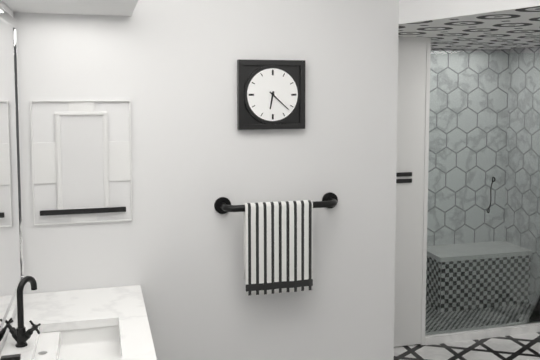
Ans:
h=6 m=22
